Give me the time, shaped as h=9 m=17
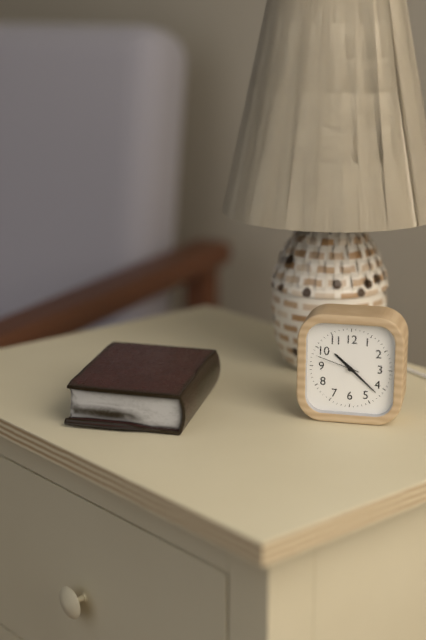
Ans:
h=10 m=22
